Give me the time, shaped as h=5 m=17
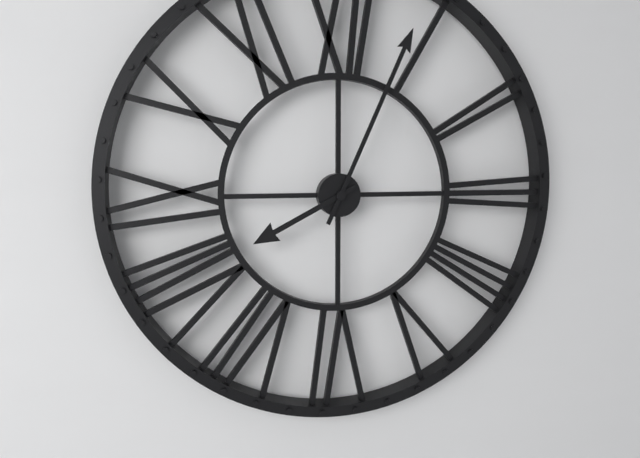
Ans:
h=8 m=4
